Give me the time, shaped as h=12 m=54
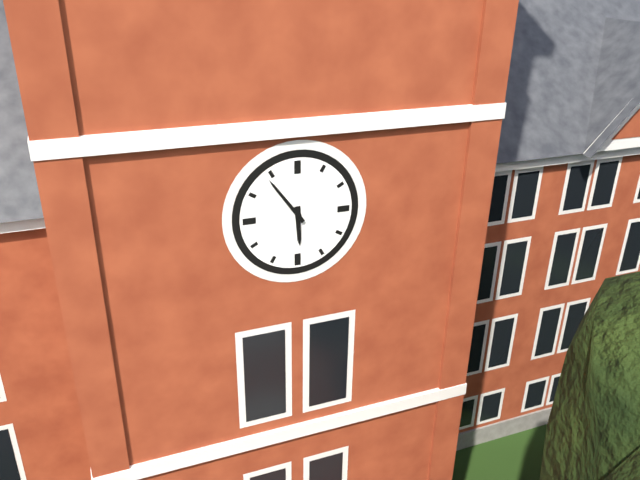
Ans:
h=5 m=54
